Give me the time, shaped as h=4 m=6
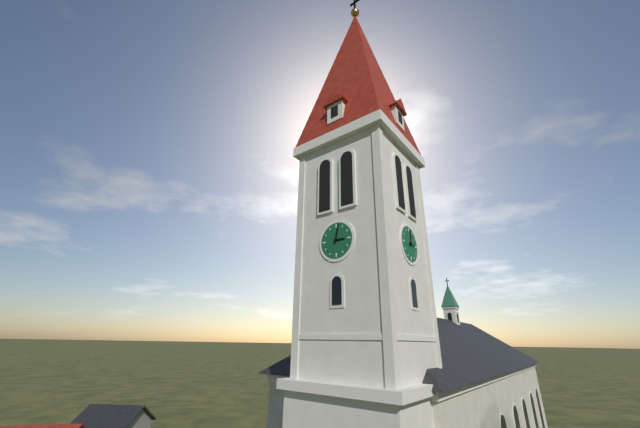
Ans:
h=3 m=2
